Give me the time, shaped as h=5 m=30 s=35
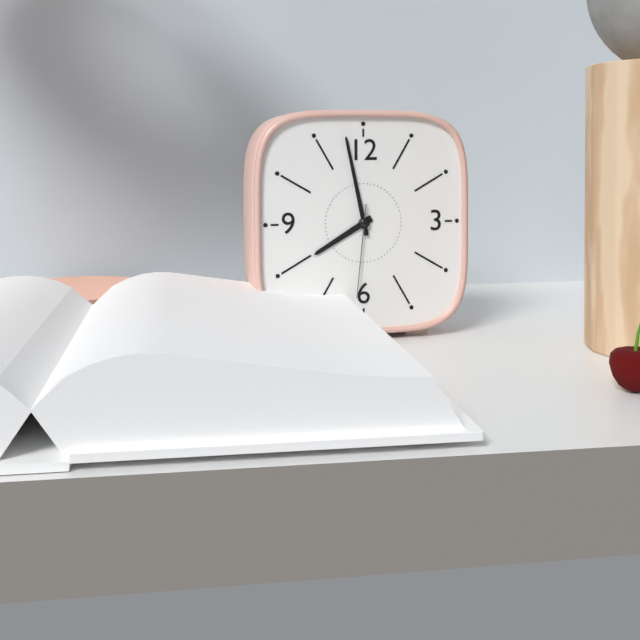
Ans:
h=7 m=58 s=31
